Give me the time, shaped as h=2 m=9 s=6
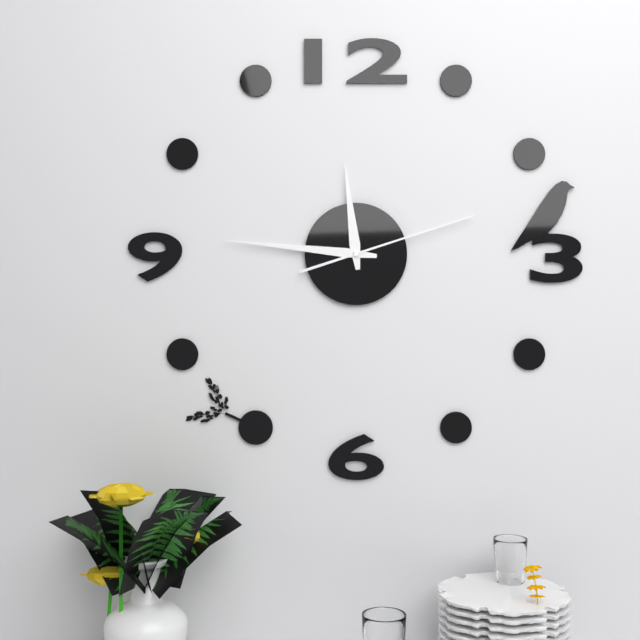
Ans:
h=11 m=46 s=12
